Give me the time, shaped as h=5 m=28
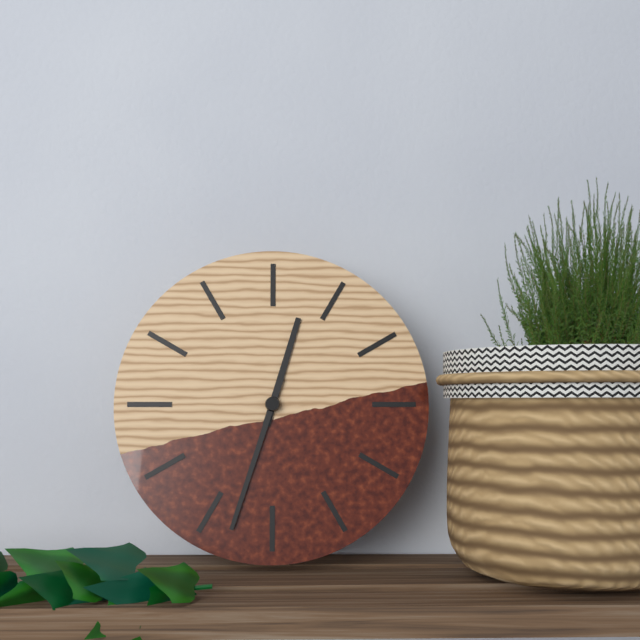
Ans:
h=12 m=33
